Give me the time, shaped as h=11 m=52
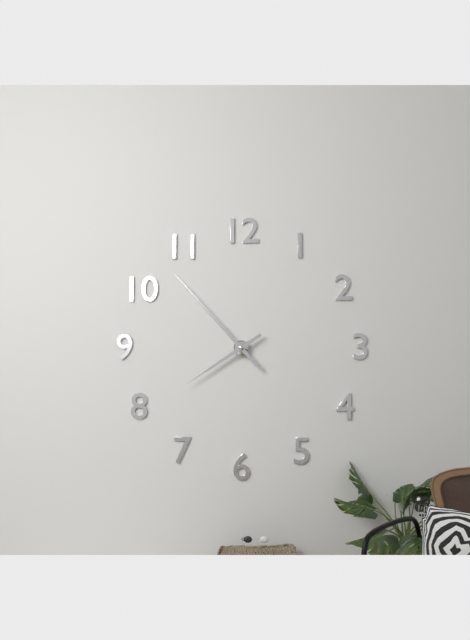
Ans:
h=7 m=53
